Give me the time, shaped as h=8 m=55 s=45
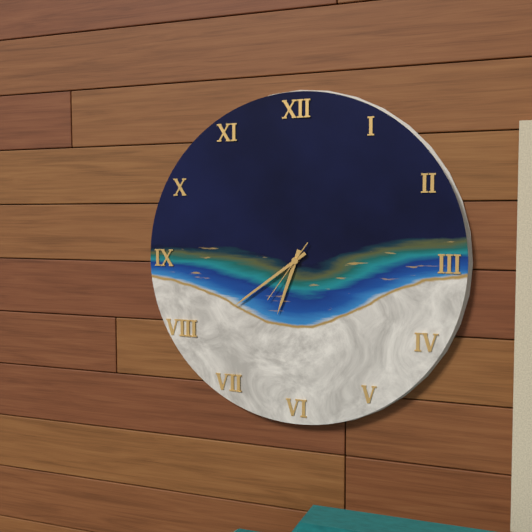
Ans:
h=6 m=39 s=36
